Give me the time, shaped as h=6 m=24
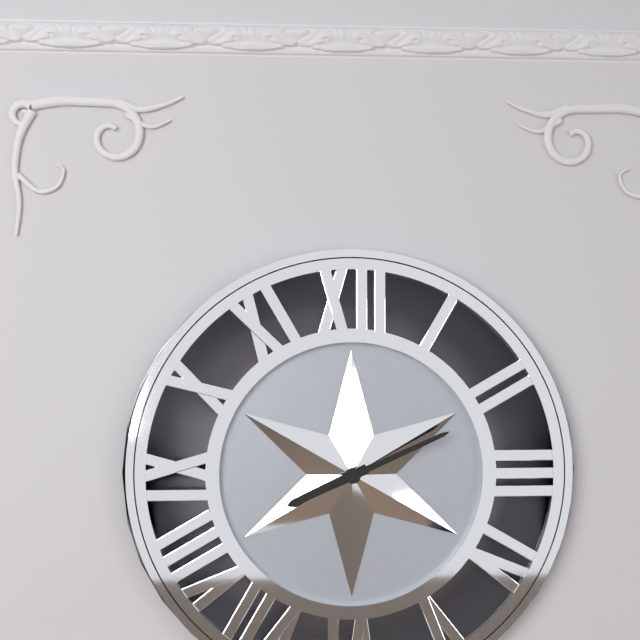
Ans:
h=8 m=11
